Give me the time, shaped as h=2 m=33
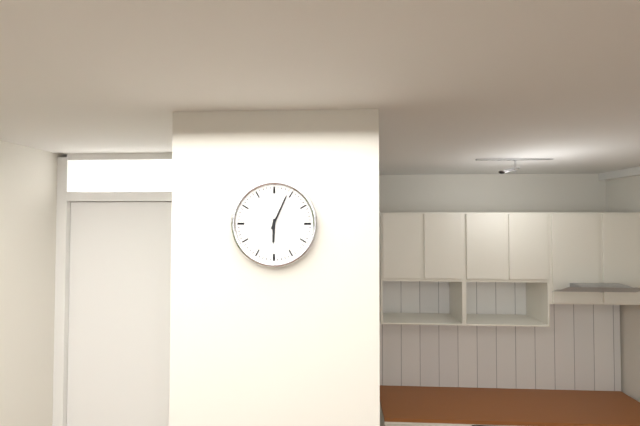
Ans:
h=6 m=4
